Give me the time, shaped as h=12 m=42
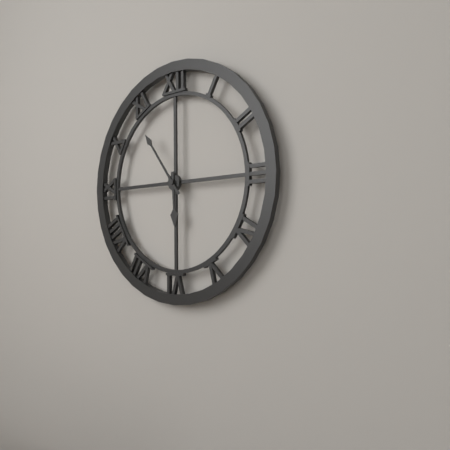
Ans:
h=5 m=54
